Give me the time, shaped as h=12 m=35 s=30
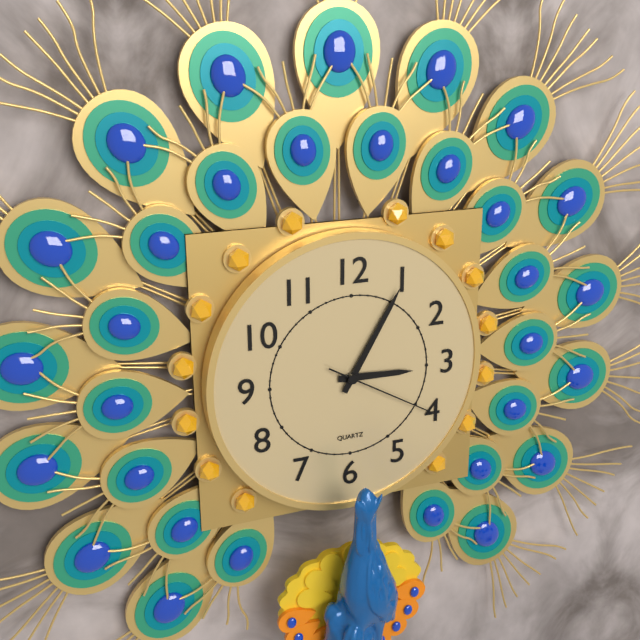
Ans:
h=3 m=5 s=20
